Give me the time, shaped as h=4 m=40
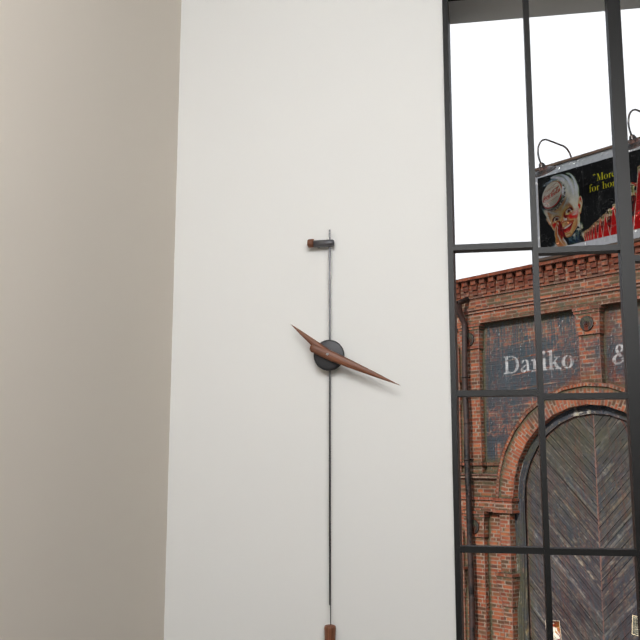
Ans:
h=10 m=19
